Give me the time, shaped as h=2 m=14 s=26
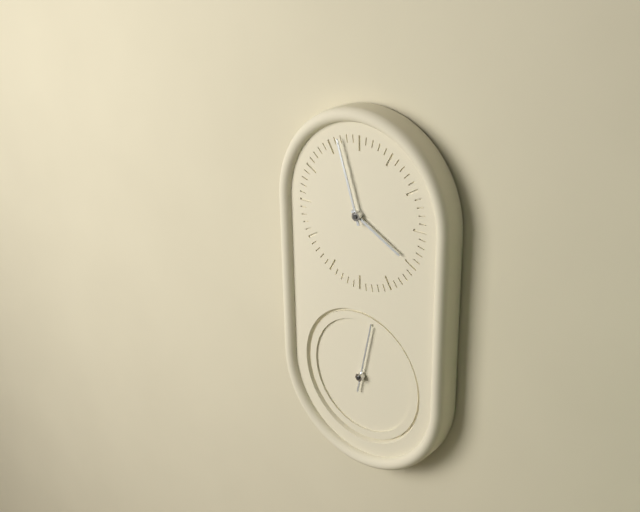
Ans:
h=3 m=57 s=2
